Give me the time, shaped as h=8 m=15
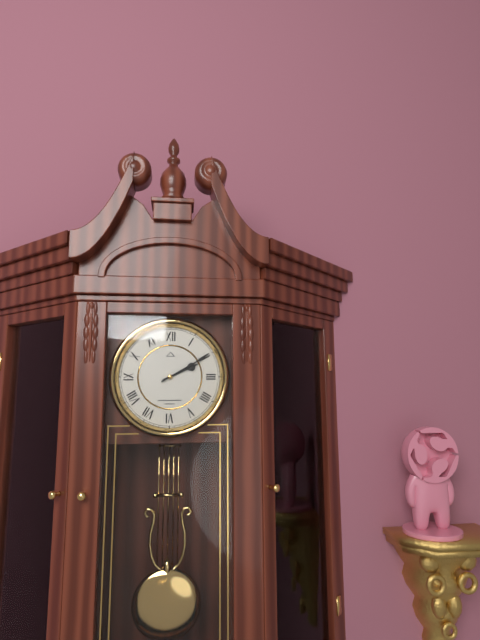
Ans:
h=2 m=10
